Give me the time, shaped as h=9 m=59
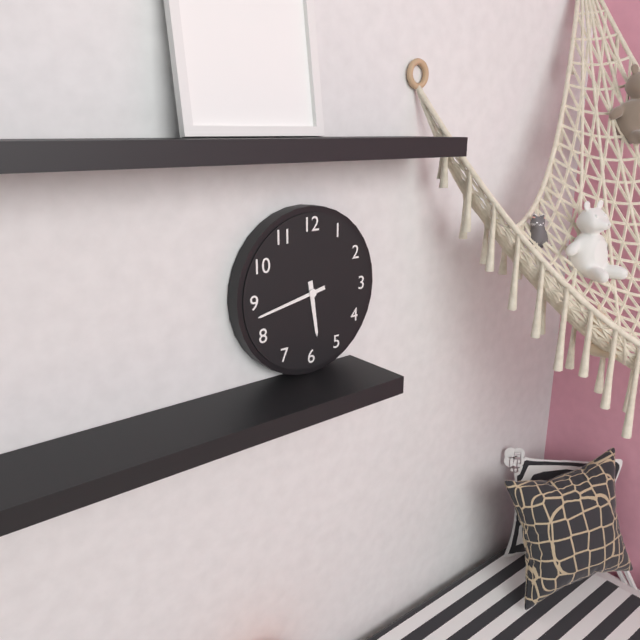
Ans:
h=5 m=43
